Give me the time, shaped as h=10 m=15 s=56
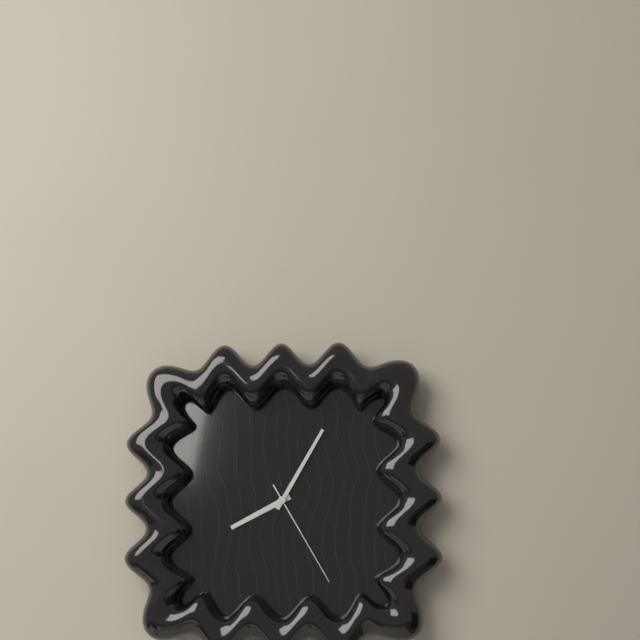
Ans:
h=8 m=5 s=25
